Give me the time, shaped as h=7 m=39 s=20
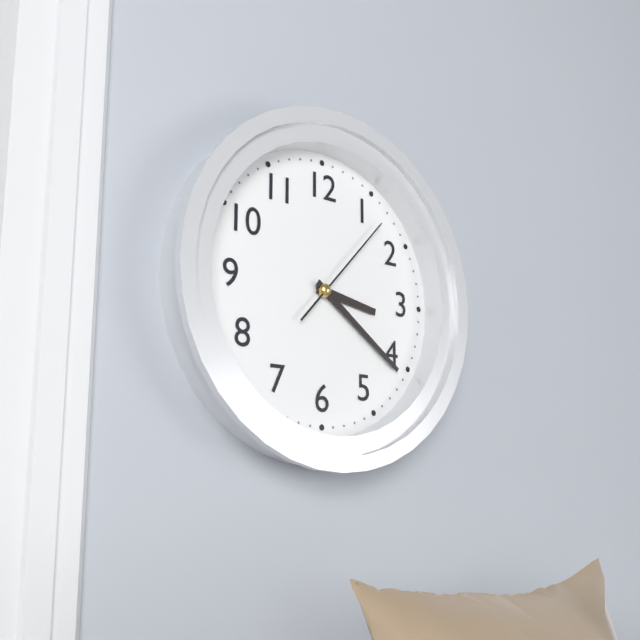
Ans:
h=3 m=21 s=7
